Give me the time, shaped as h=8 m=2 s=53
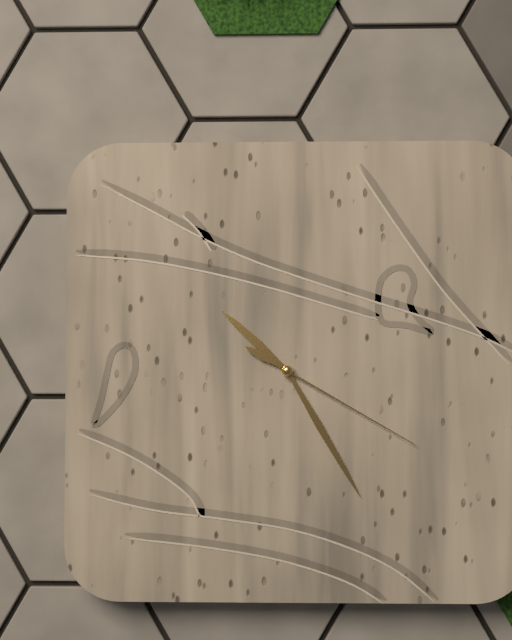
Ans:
h=10 m=25 s=20
